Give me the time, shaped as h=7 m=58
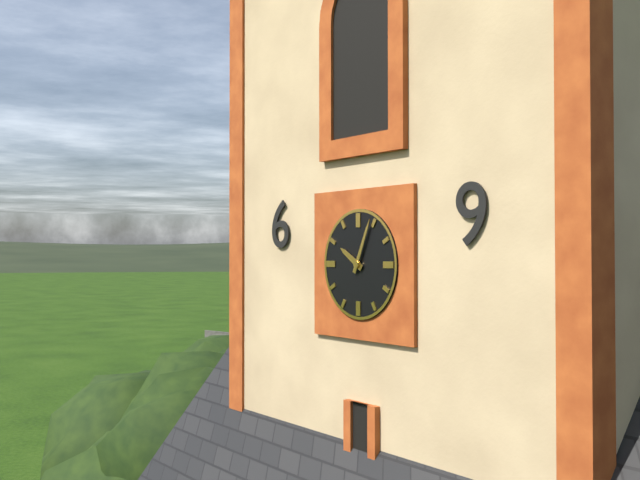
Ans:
h=10 m=4
